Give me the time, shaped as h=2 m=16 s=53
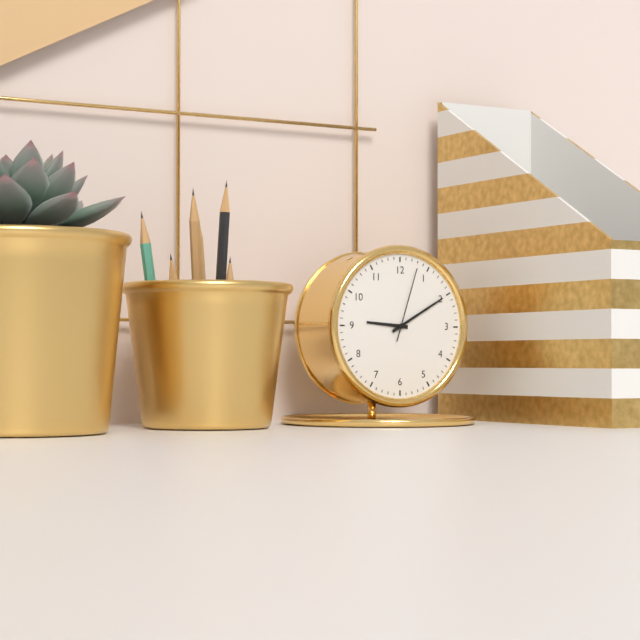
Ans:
h=9 m=10 s=3
